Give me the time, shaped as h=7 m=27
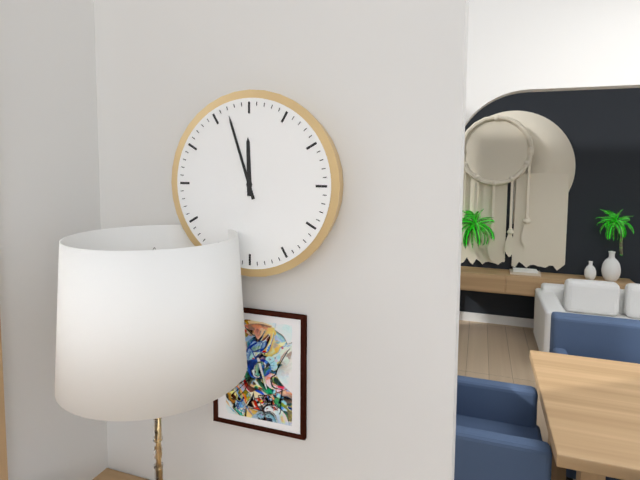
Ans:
h=11 m=57
